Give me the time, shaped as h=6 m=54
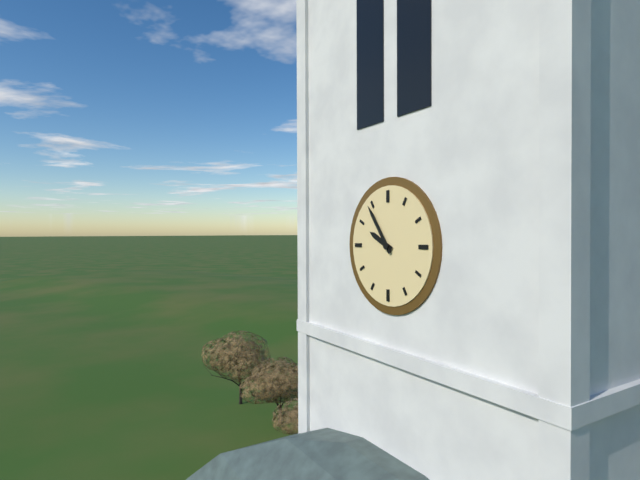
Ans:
h=9 m=54
